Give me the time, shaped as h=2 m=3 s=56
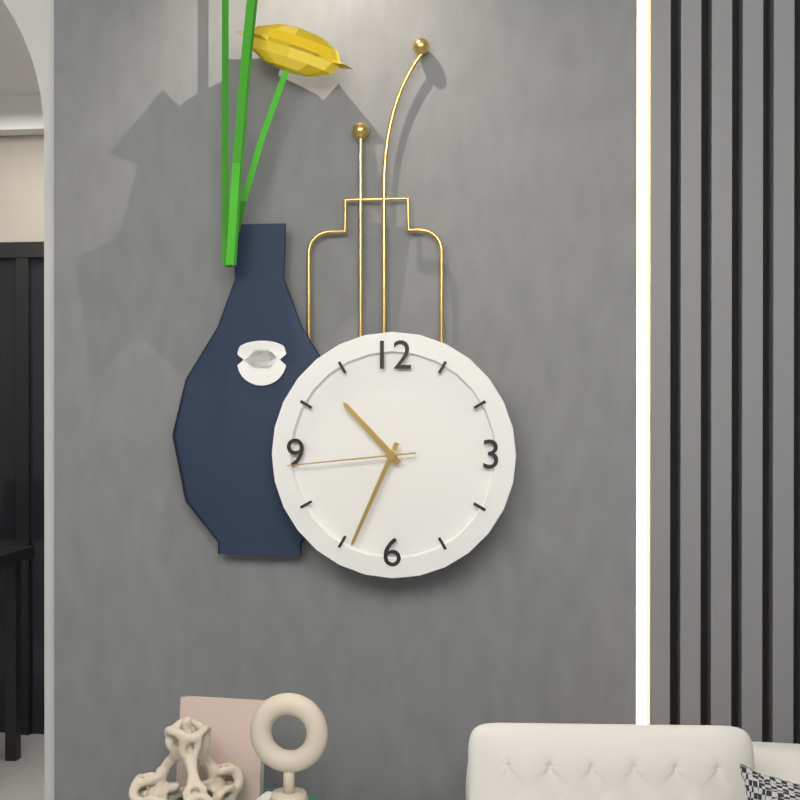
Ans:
h=10 m=34 s=44
